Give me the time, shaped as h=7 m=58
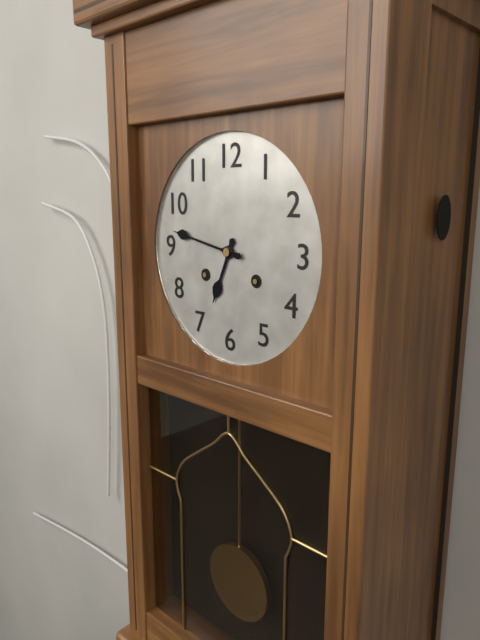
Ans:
h=6 m=47
